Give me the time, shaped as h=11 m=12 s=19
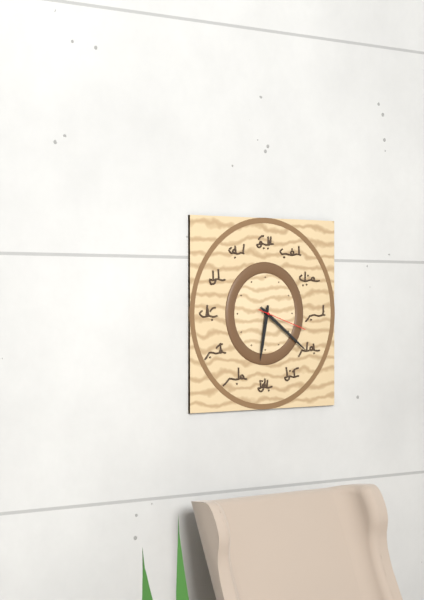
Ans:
h=6 m=21 s=18
